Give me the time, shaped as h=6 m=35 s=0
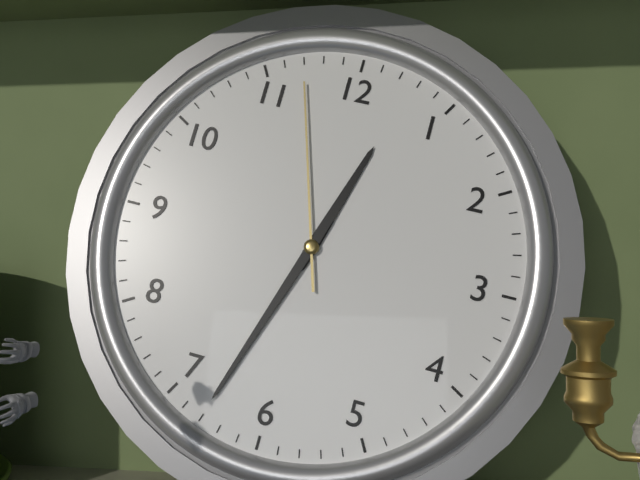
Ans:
h=12 m=33 s=57
